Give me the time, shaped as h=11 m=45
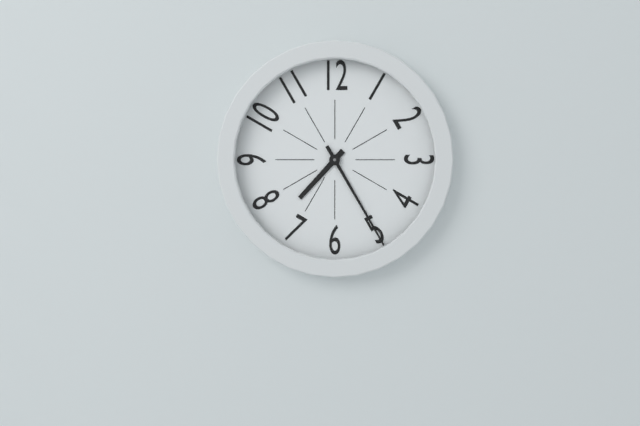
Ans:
h=7 m=25
